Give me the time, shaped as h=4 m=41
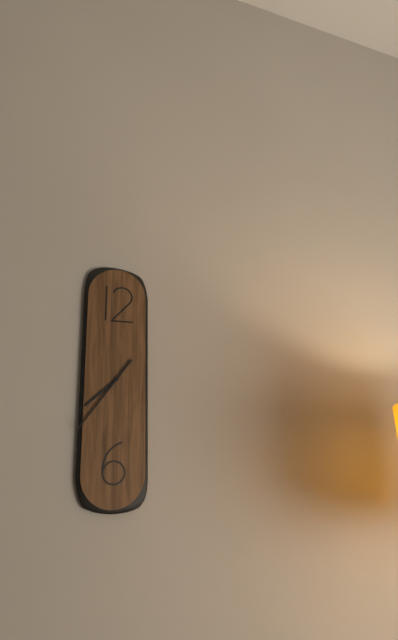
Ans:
h=7 m=36
